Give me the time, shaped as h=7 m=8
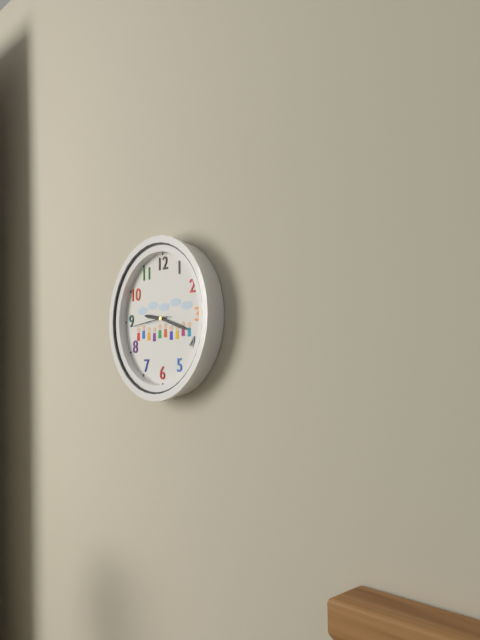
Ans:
h=9 m=18
